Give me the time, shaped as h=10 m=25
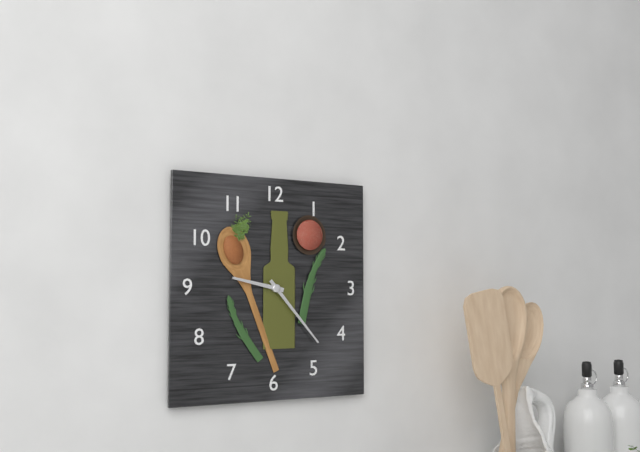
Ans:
h=9 m=23
